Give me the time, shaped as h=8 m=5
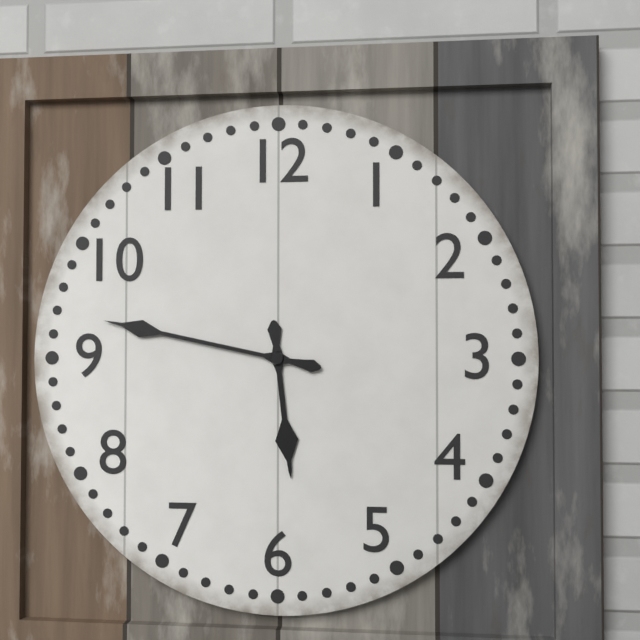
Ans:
h=5 m=47
